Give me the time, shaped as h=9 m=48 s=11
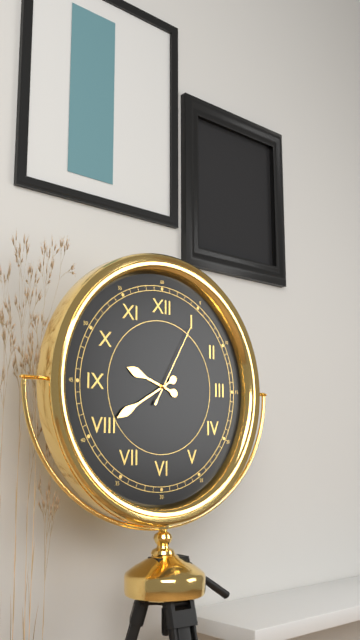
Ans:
h=9 m=40 s=5
